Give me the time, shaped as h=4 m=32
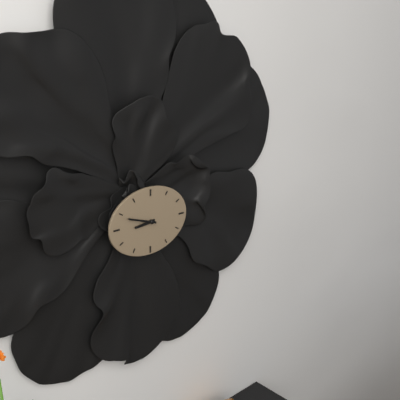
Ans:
h=8 m=48
